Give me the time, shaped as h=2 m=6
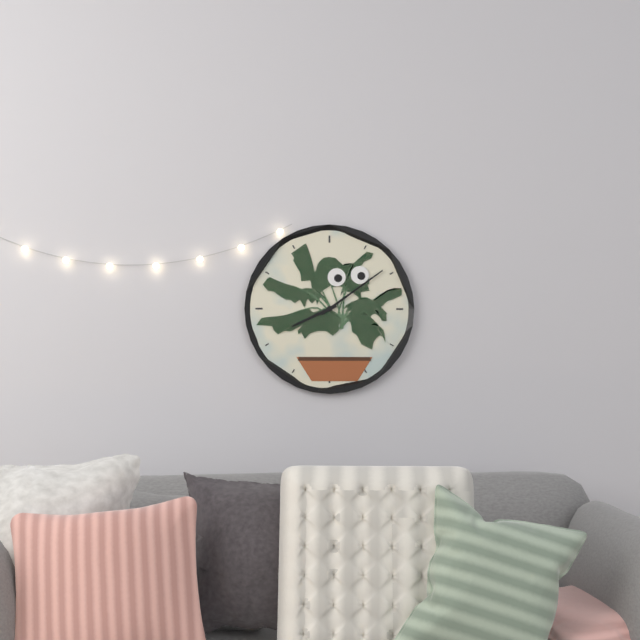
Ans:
h=8 m=9
